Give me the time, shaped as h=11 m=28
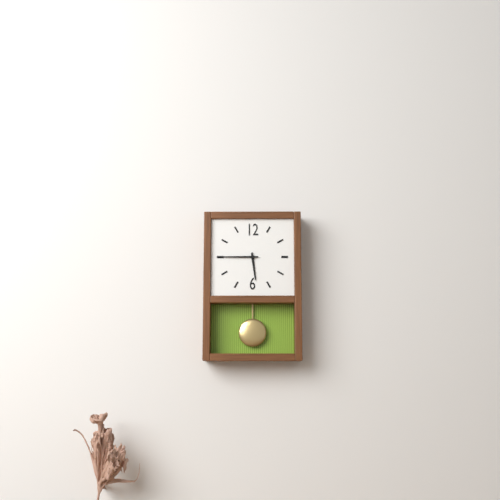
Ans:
h=5 m=45
